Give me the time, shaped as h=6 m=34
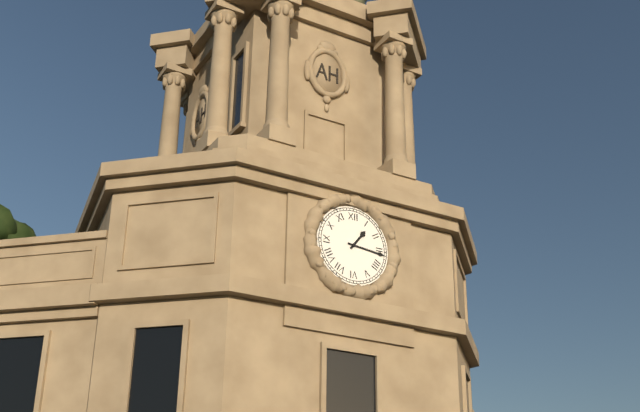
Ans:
h=1 m=16
